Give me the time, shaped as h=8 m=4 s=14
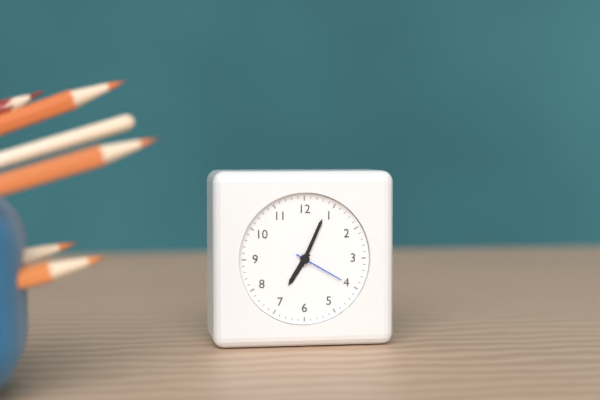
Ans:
h=7 m=4 s=20
